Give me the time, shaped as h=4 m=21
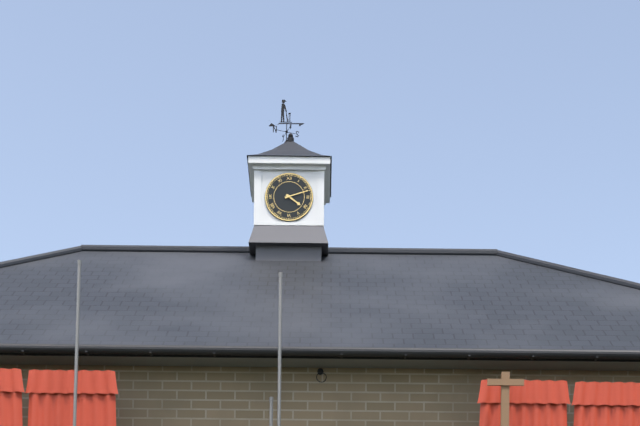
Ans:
h=4 m=12
